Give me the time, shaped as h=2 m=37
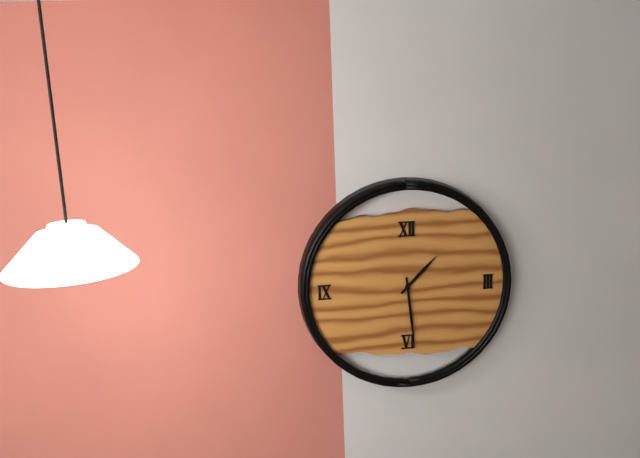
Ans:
h=1 m=29
